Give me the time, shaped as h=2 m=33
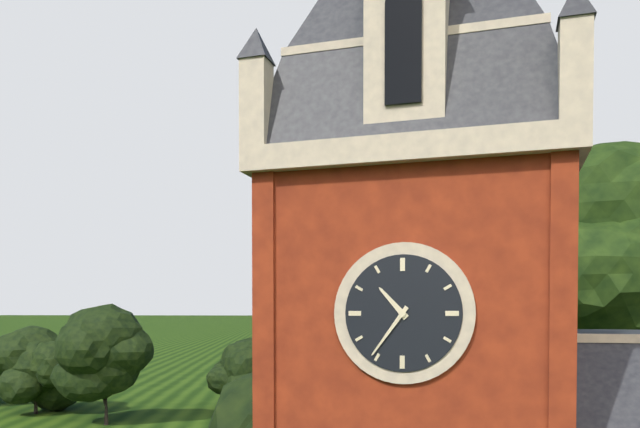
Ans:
h=10 m=36
